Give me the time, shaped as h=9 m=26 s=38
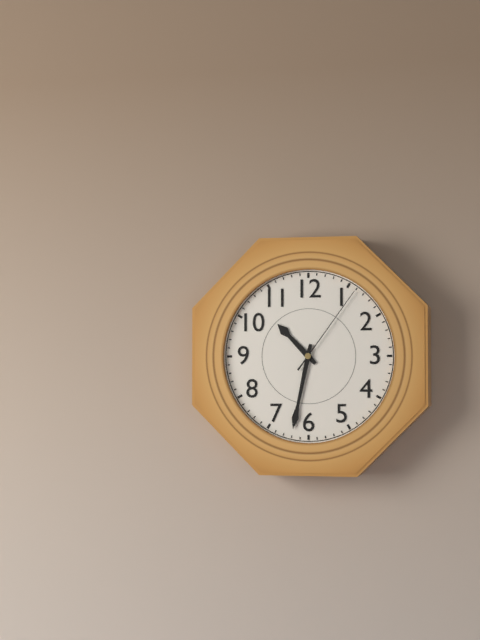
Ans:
h=10 m=32 s=6
